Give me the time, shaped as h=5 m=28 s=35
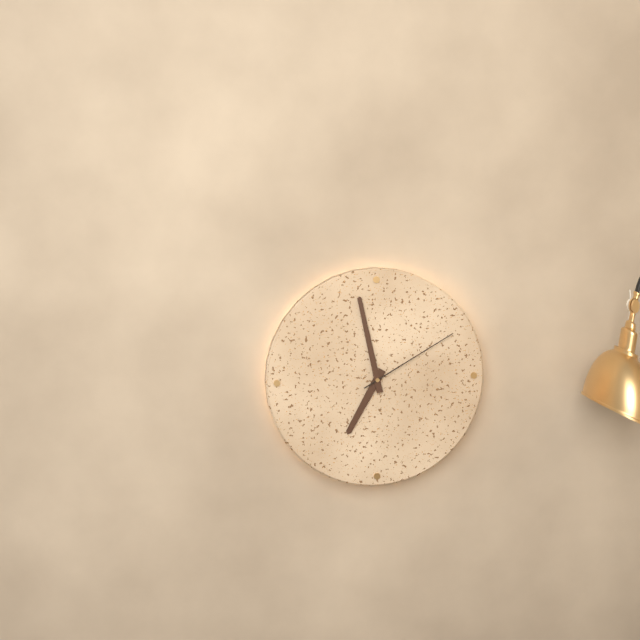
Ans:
h=6 m=58 s=10
